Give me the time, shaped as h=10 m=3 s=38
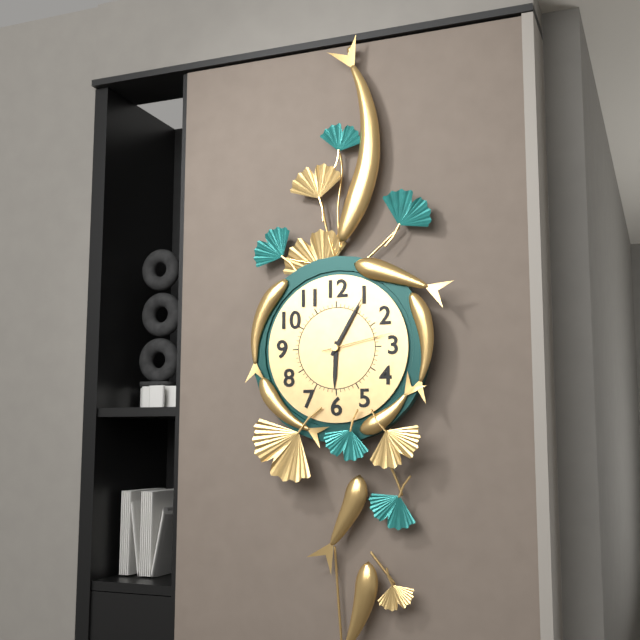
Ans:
h=6 m=5 s=13
